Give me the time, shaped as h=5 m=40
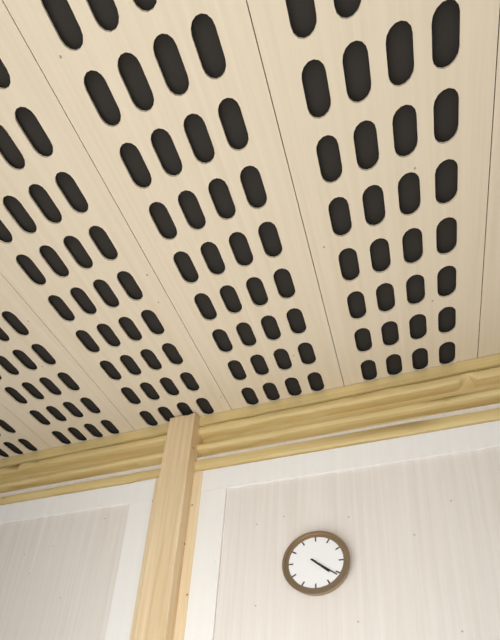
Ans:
h=4 m=21
